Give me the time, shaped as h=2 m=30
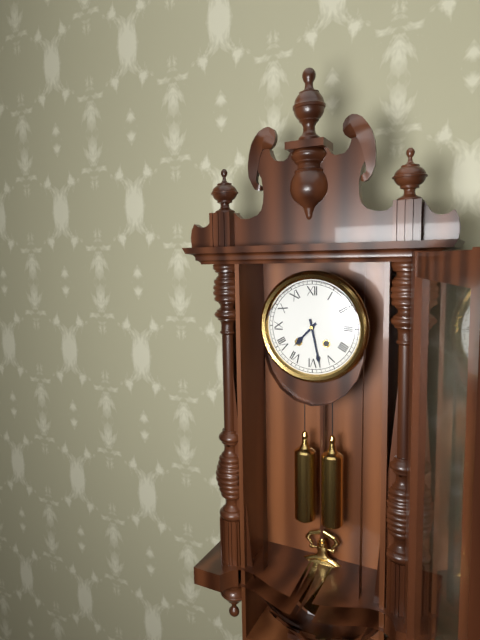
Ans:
h=7 m=28
